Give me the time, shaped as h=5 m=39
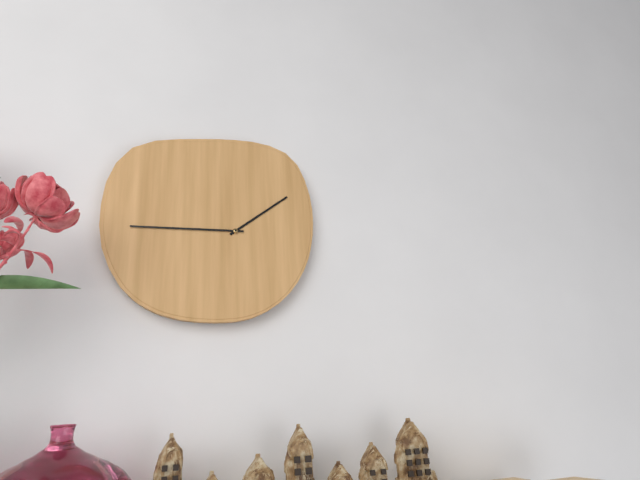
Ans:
h=1 m=45
